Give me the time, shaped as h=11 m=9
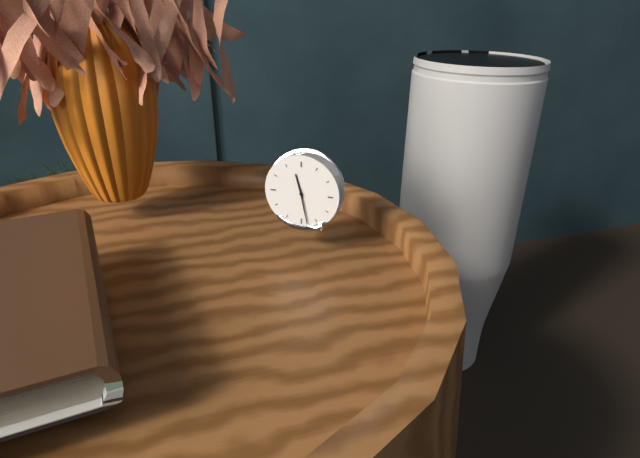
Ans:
h=11 m=28
